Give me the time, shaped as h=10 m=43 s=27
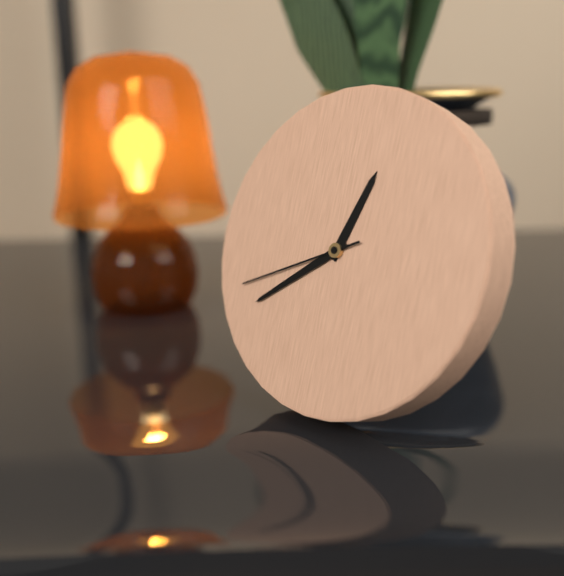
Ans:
h=12 m=39 s=41
